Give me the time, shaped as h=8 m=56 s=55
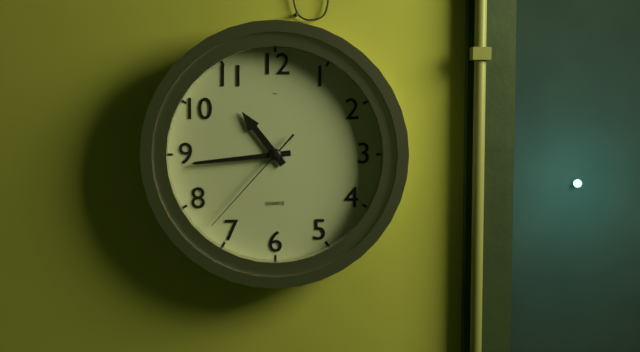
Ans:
h=10 m=44 s=37
